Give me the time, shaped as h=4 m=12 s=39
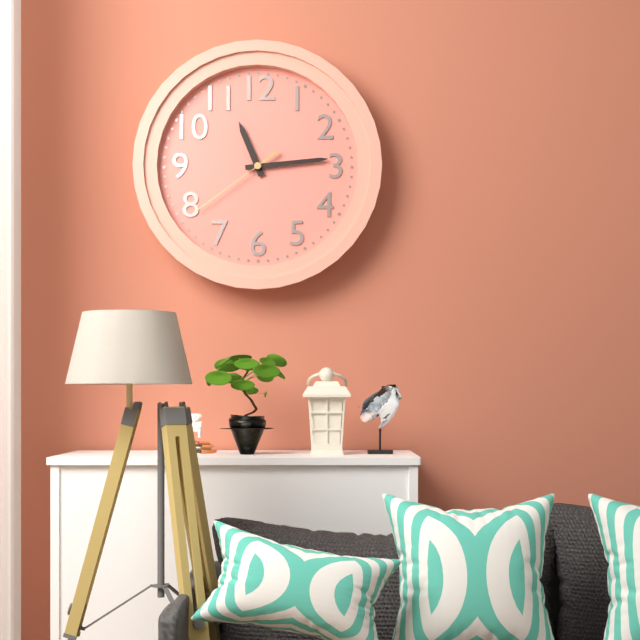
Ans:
h=11 m=14 s=39
